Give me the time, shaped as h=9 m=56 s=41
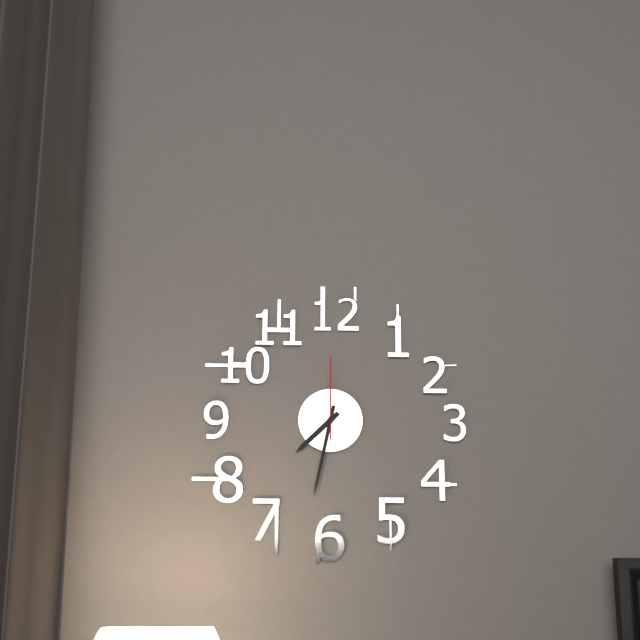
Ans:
h=7 m=32 s=0
